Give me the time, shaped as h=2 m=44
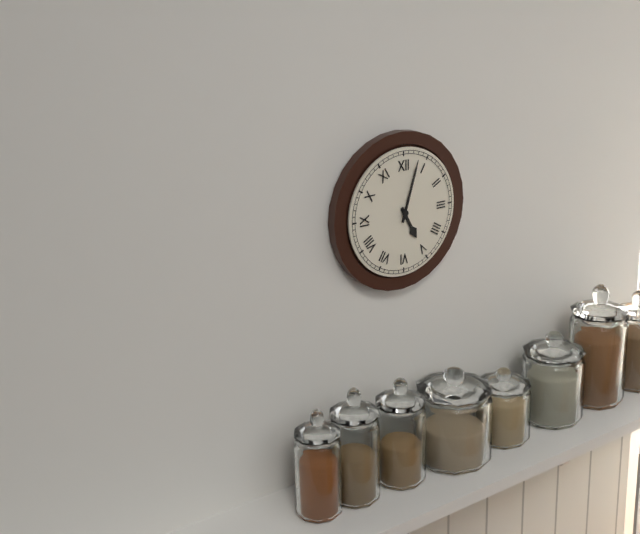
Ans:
h=5 m=3
